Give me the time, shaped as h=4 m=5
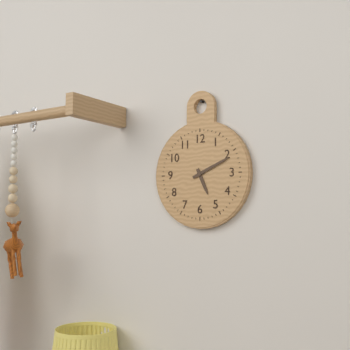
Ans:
h=5 m=11
